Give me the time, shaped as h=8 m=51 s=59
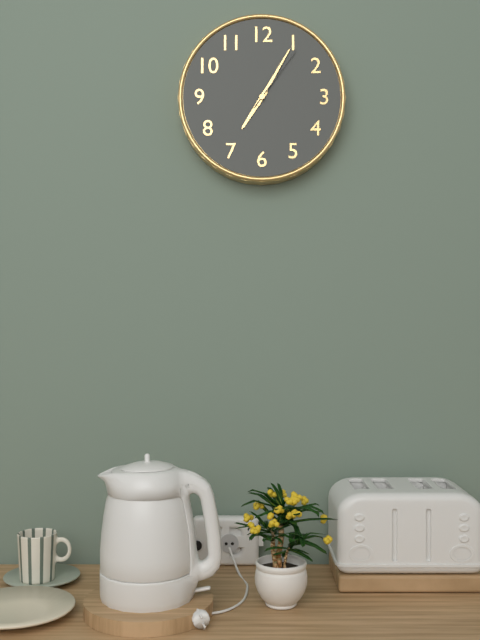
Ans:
h=7 m=5 s=6
